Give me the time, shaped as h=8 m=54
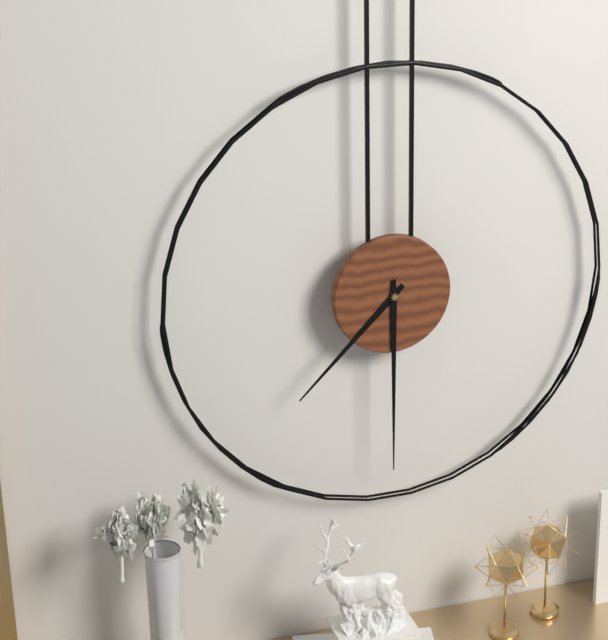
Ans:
h=7 m=30
